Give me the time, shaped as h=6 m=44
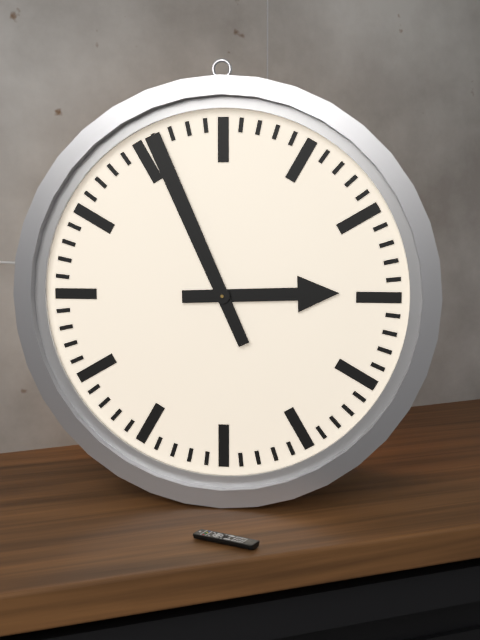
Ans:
h=2 m=56
